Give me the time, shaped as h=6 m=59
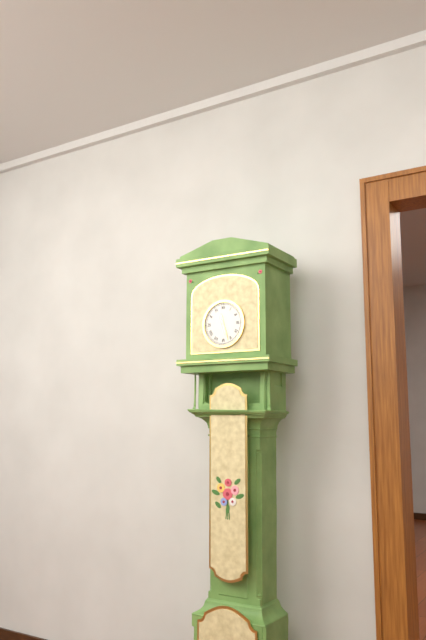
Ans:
h=11 m=27
